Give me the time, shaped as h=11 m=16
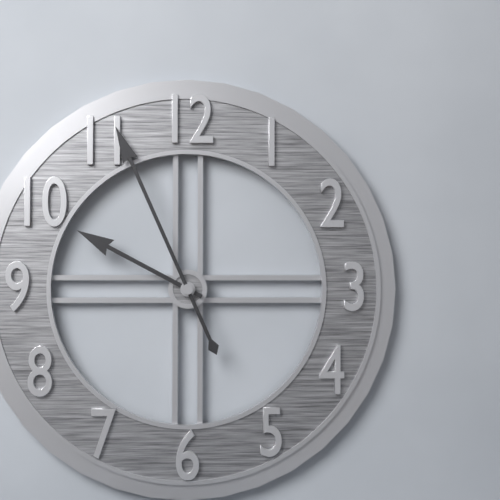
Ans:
h=9 m=56
